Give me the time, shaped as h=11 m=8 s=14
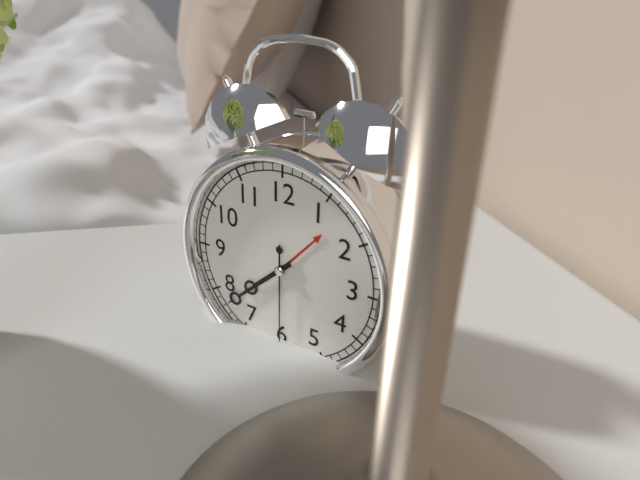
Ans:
h=7 m=38 s=30
